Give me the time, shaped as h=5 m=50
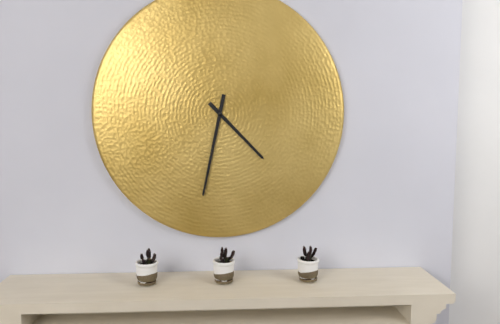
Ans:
h=4 m=32
